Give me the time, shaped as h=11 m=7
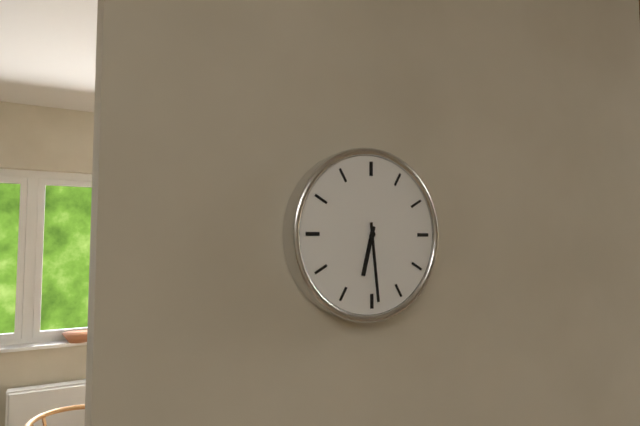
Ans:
h=6 m=29
